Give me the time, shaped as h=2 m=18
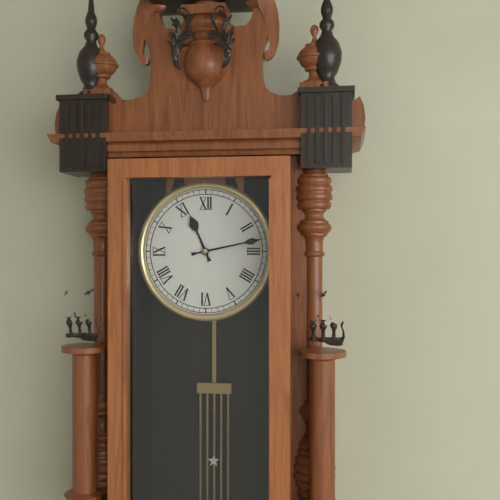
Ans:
h=11 m=13
